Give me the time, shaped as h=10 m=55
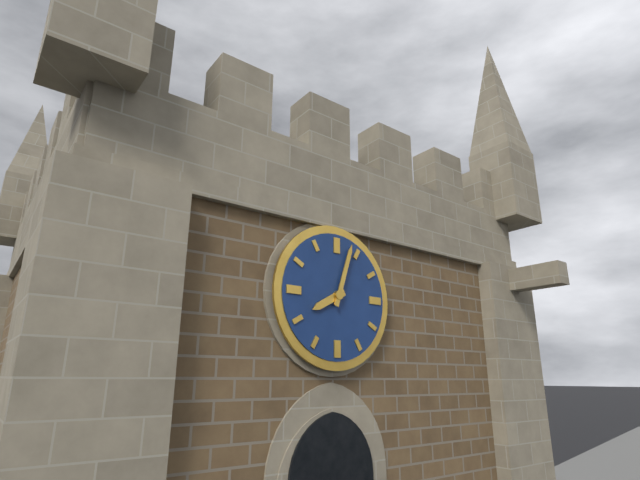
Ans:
h=8 m=3
